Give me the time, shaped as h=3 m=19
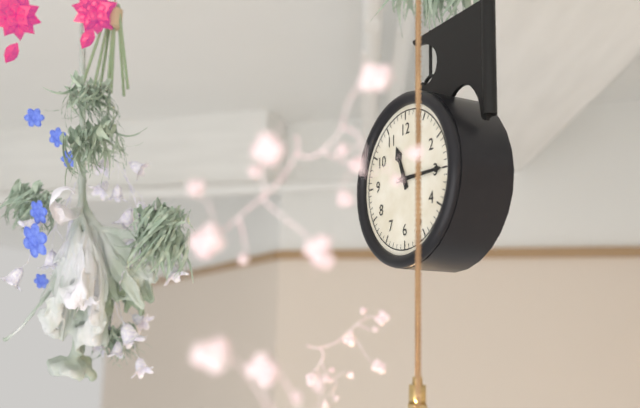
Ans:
h=11 m=15
